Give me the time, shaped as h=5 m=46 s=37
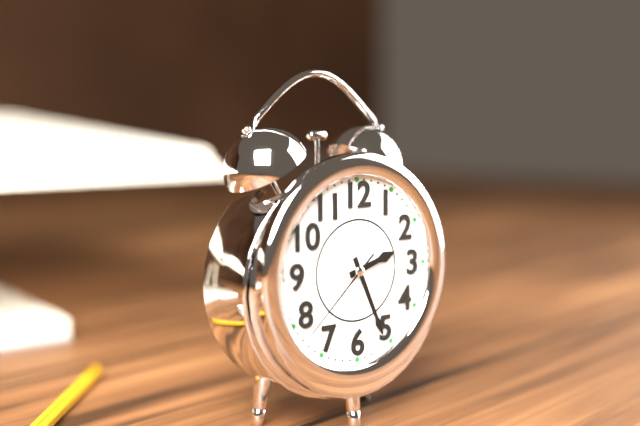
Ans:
h=2 m=26 s=38
